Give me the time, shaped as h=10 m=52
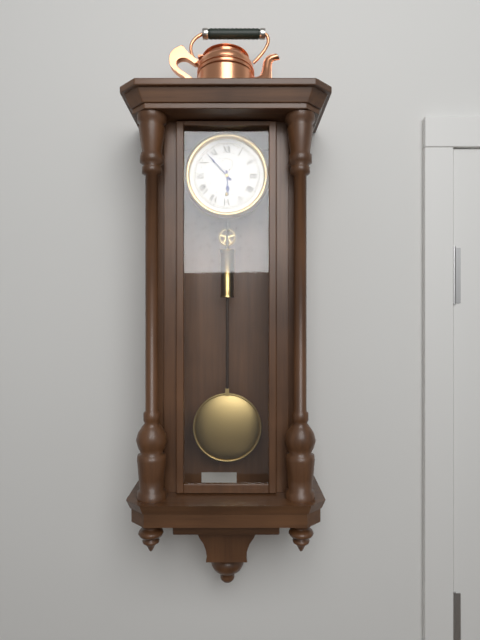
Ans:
h=5 m=53
